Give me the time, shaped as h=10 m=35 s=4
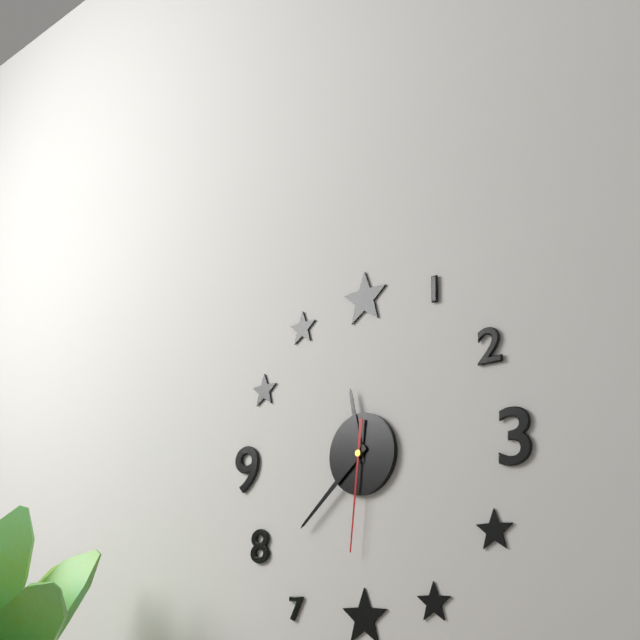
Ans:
h=11 m=38 s=31
